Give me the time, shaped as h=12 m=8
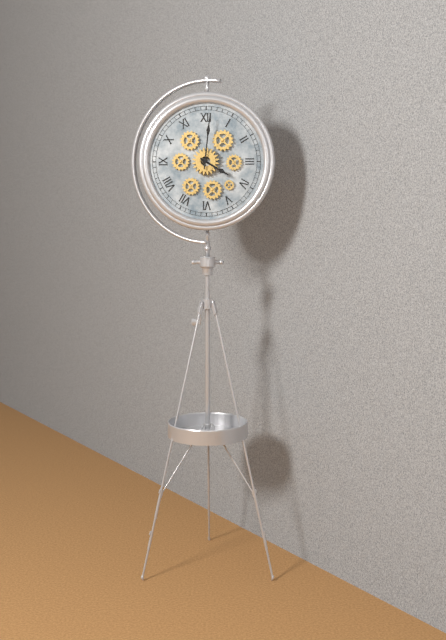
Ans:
h=4 m=1
